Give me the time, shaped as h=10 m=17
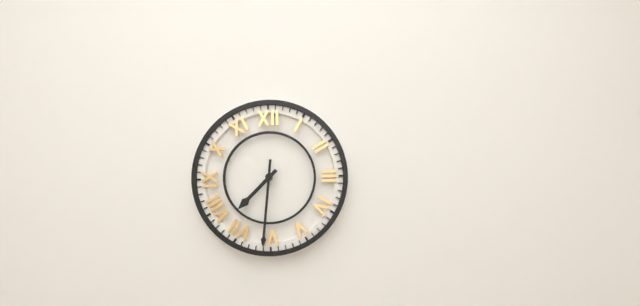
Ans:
h=7 m=31
